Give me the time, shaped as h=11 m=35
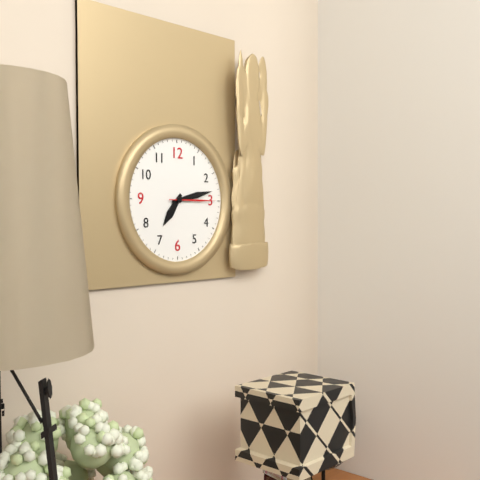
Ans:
h=7 m=13
